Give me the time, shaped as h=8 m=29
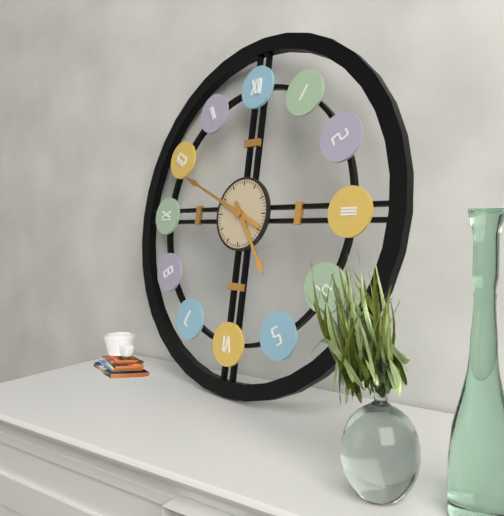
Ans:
h=4 m=49
